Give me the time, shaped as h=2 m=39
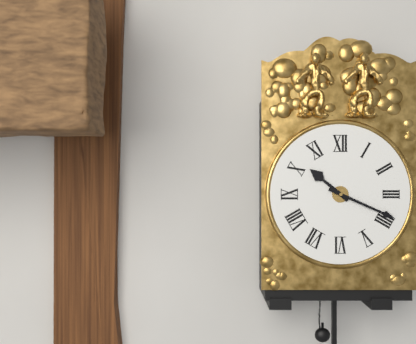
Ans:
h=10 m=19
